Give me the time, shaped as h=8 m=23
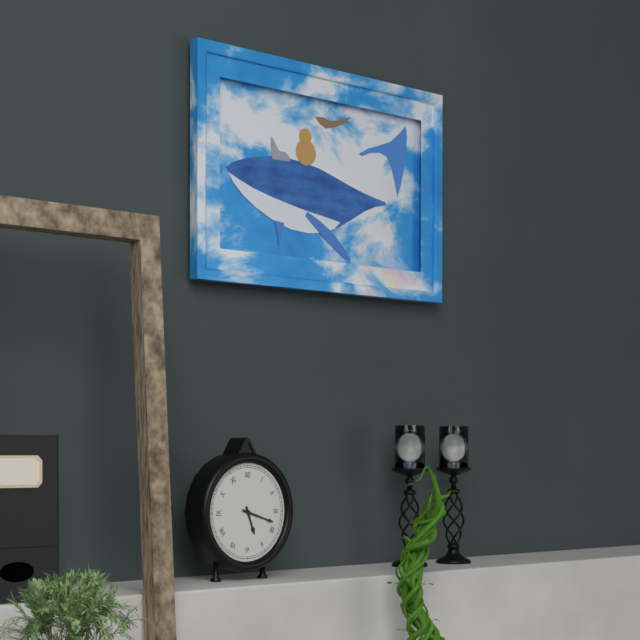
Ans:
h=5 m=18
